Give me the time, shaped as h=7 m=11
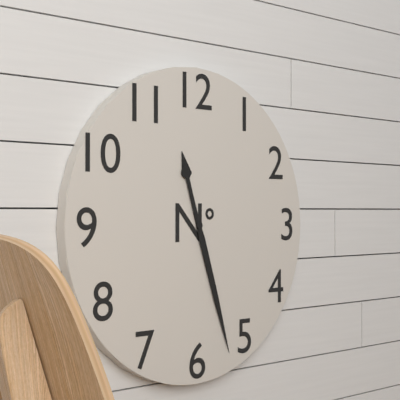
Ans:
h=11 m=27
